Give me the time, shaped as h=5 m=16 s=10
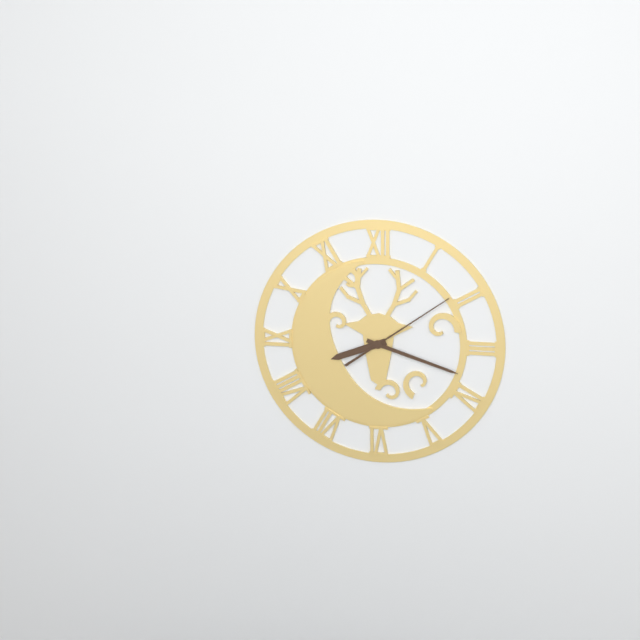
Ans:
h=8 m=18 s=9
